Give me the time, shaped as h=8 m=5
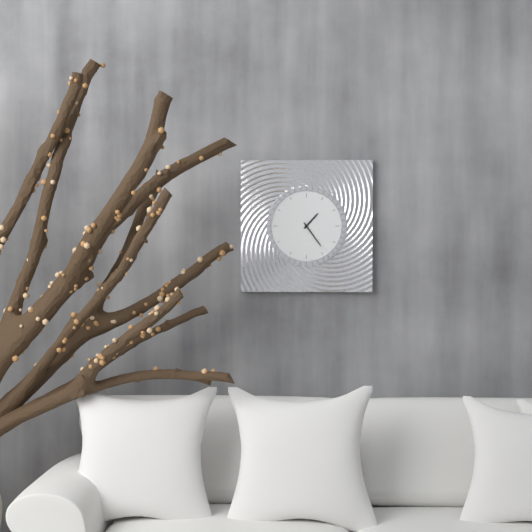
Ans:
h=1 m=24
